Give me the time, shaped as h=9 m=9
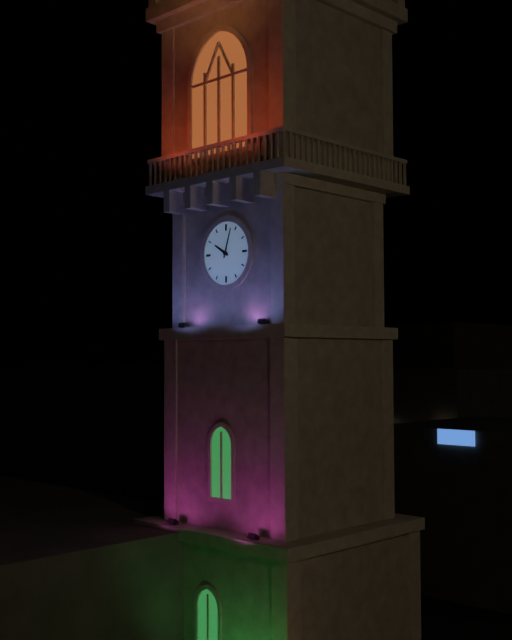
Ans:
h=10 m=3
